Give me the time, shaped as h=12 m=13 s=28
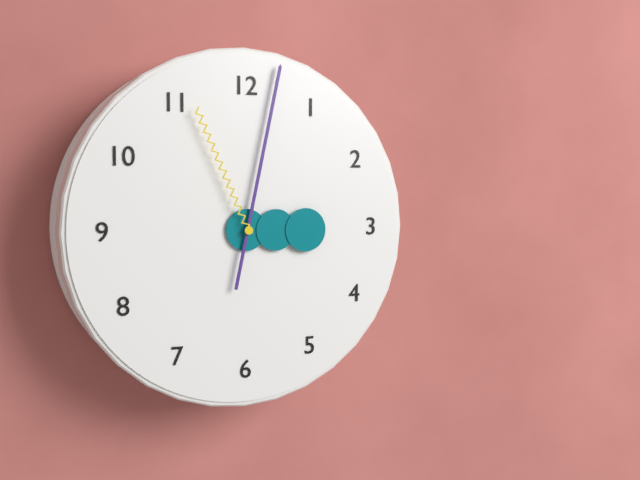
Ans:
h=3 m=2 s=56
